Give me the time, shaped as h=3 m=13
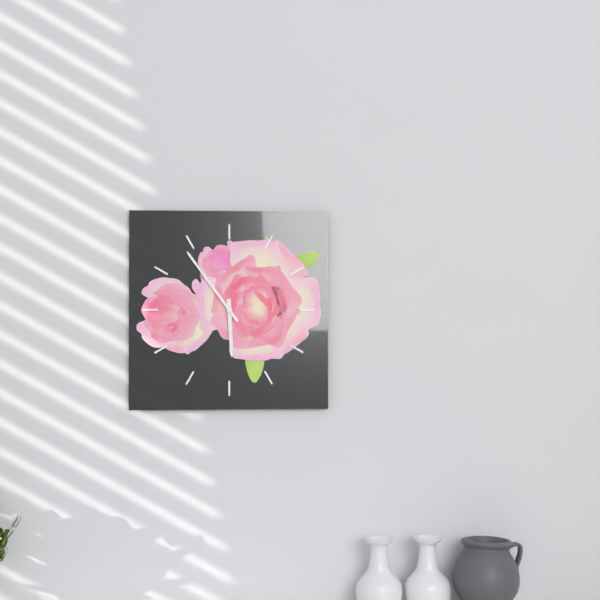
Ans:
h=5 m=54
